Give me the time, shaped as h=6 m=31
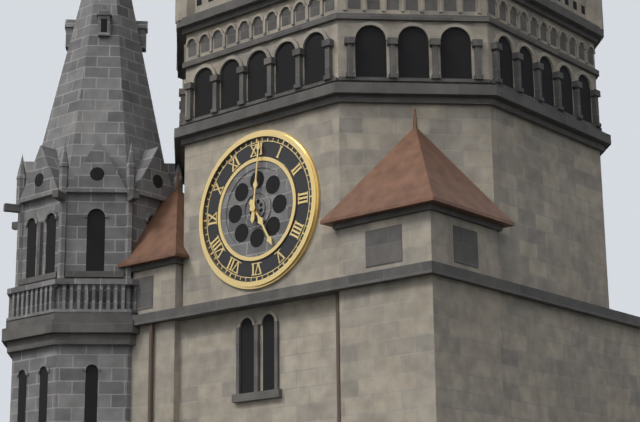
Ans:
h=5 m=1
